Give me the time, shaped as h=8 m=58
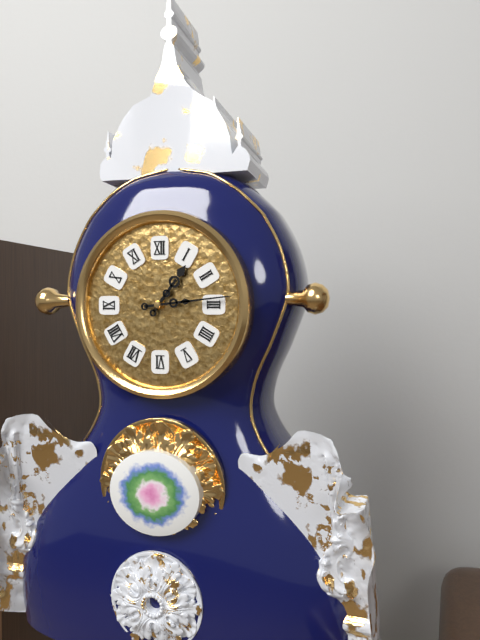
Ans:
h=1 m=14
